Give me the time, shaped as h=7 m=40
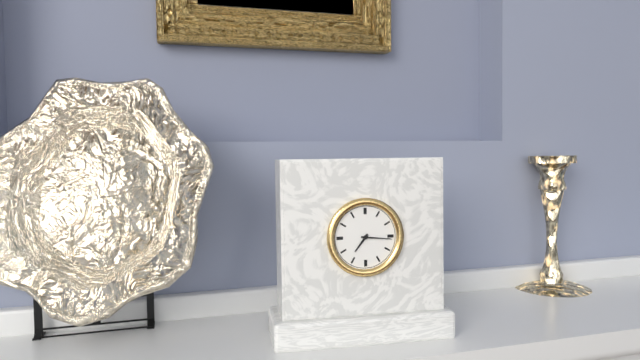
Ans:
h=7 m=16
